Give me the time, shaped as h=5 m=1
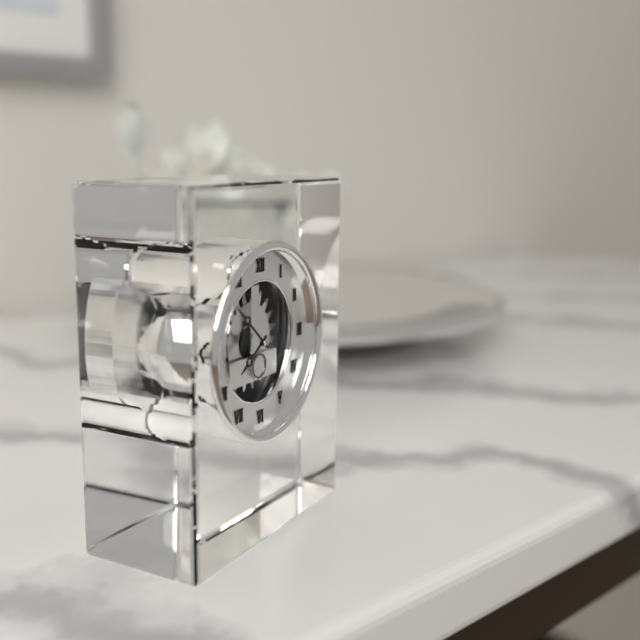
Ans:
h=7 m=52
